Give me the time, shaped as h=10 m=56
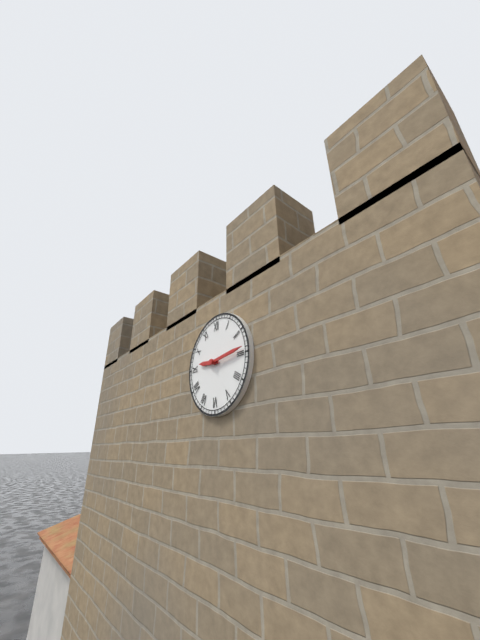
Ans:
h=9 m=14
